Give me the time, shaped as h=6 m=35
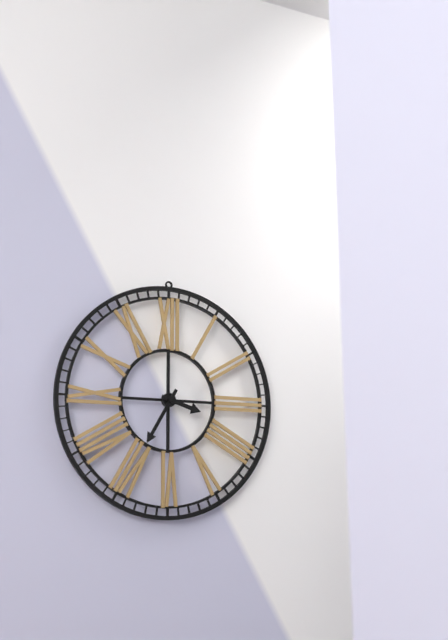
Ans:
h=3 m=35
